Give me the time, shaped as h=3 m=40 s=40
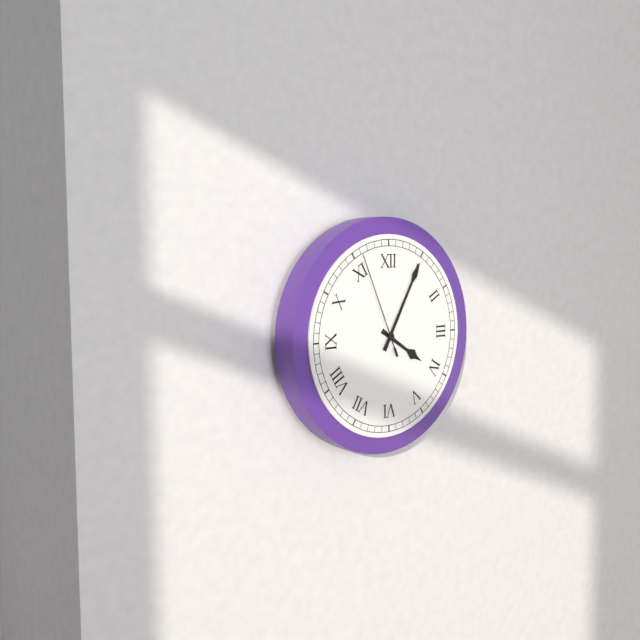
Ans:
h=4 m=5 s=56
